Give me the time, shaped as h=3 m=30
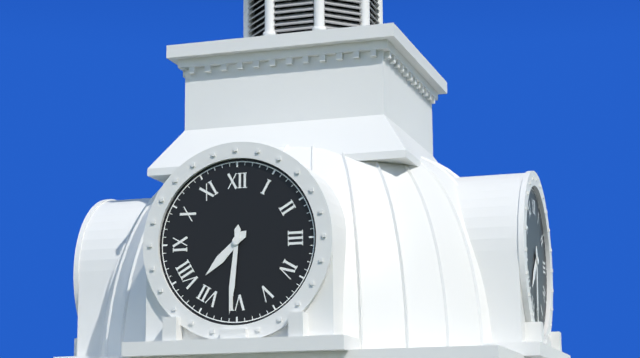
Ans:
h=7 m=31
